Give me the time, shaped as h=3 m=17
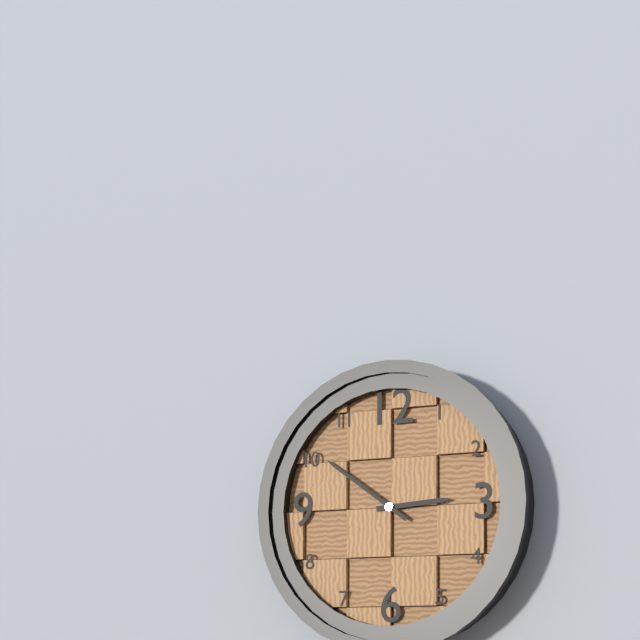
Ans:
h=2 m=51
